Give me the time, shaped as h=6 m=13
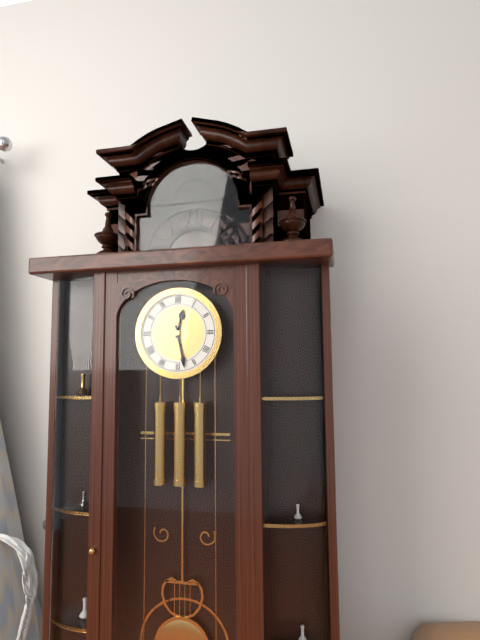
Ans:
h=12 m=28
